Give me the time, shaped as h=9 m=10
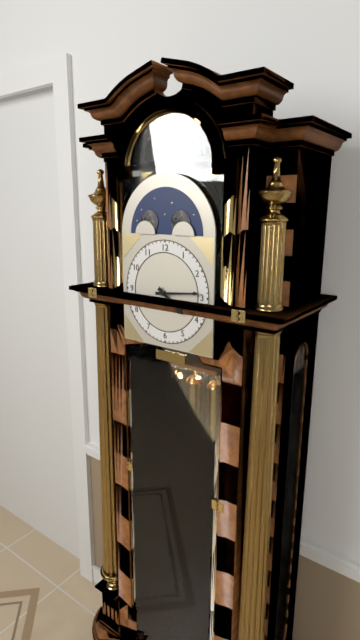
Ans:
h=4 m=14
